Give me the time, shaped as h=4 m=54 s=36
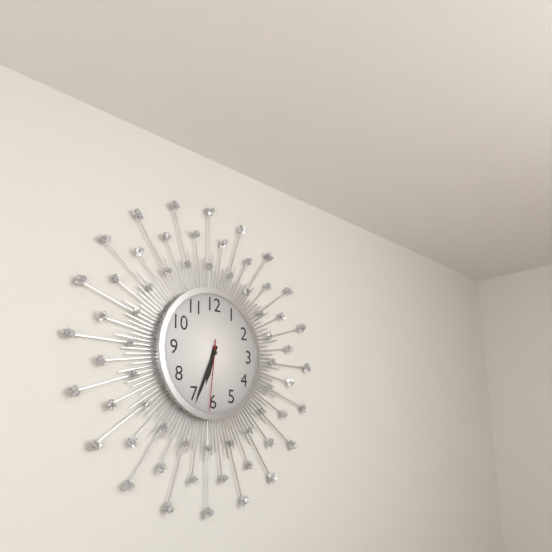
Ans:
h=6 m=34 s=31
